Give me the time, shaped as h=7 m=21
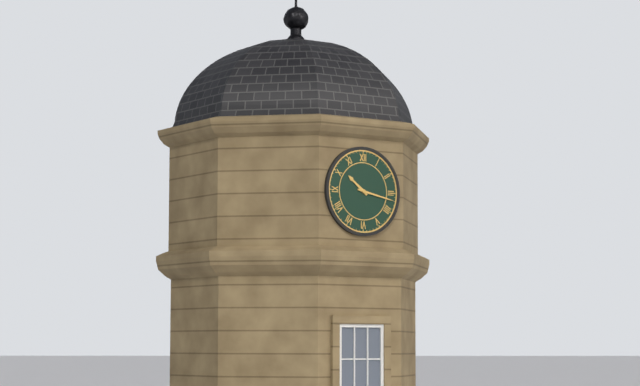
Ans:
h=10 m=17
